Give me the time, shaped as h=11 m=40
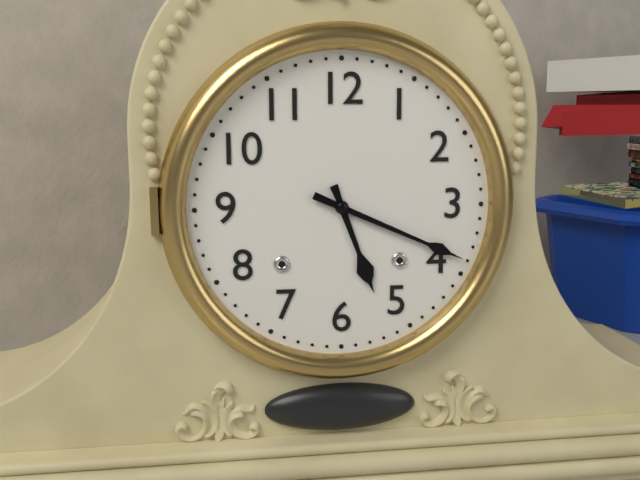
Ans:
h=5 m=19
